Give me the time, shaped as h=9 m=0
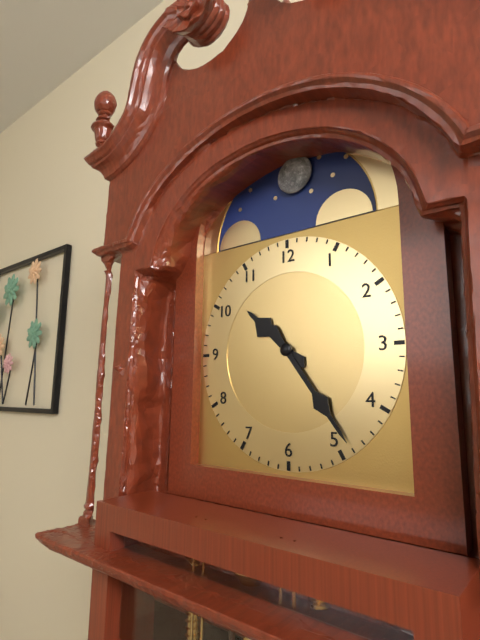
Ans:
h=10 m=24
